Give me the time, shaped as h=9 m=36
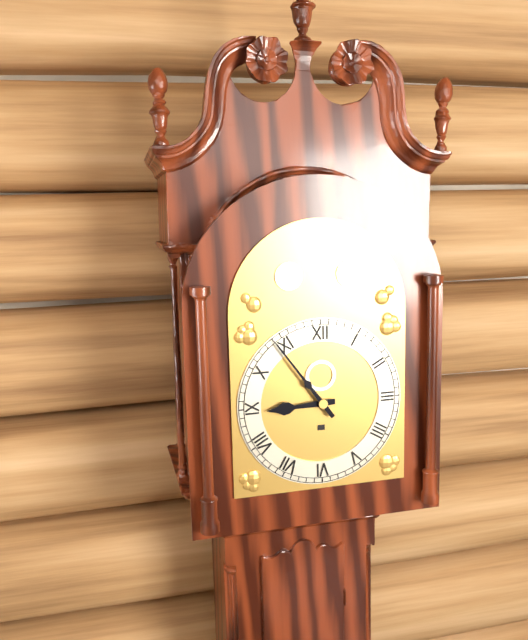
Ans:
h=8 m=54
